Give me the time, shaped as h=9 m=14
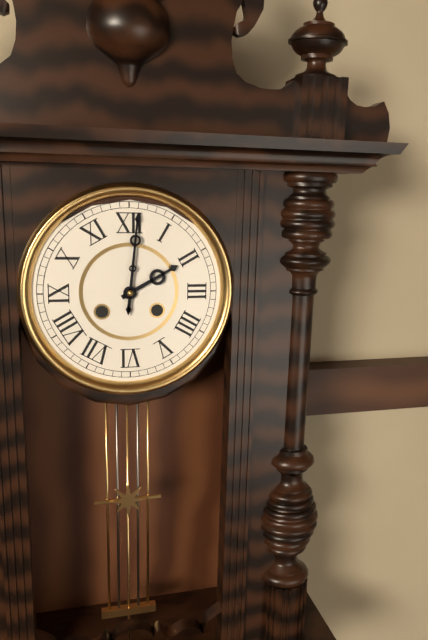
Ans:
h=2 m=1
